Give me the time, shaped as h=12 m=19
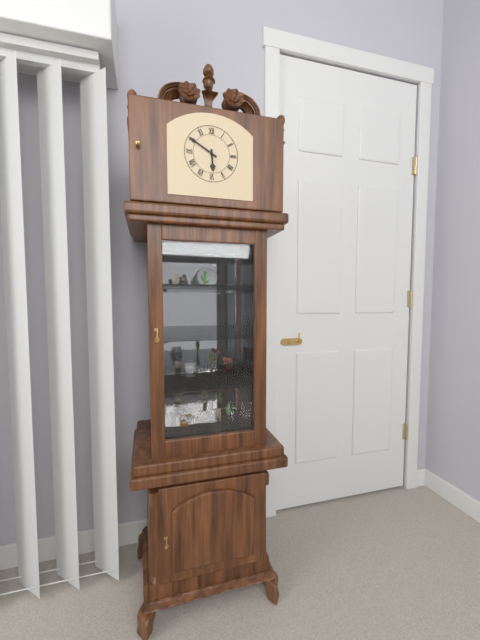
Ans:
h=5 m=50
